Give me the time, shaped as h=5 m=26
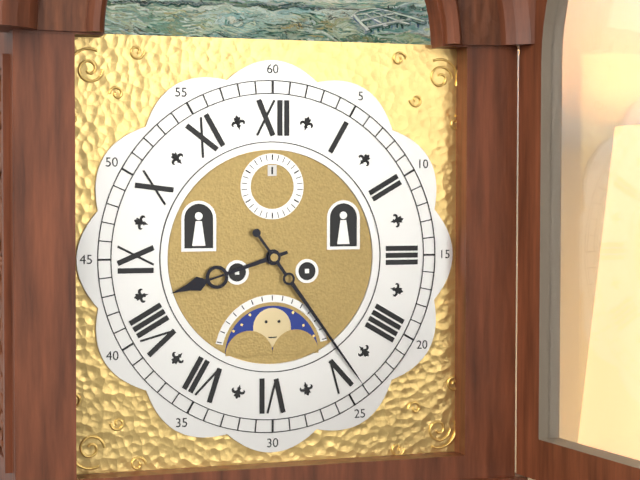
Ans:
h=8 m=24
